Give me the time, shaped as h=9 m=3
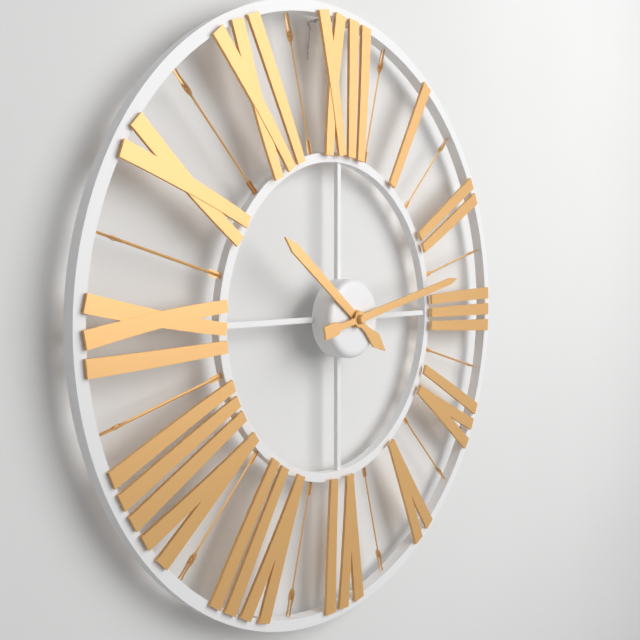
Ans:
h=10 m=13
